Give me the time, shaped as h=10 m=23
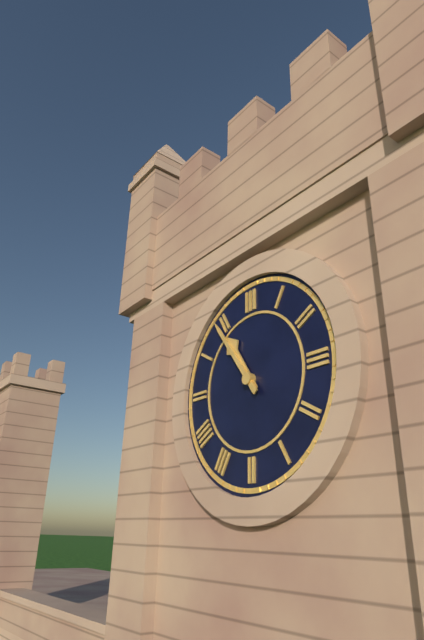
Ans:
h=10 m=54
